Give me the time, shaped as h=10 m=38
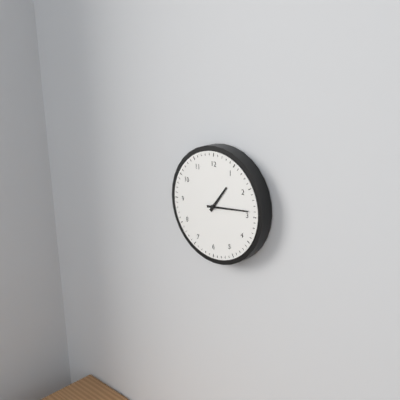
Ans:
h=1 m=14
